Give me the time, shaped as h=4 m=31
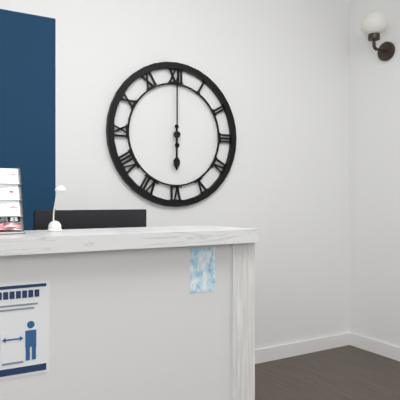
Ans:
h=6 m=0
